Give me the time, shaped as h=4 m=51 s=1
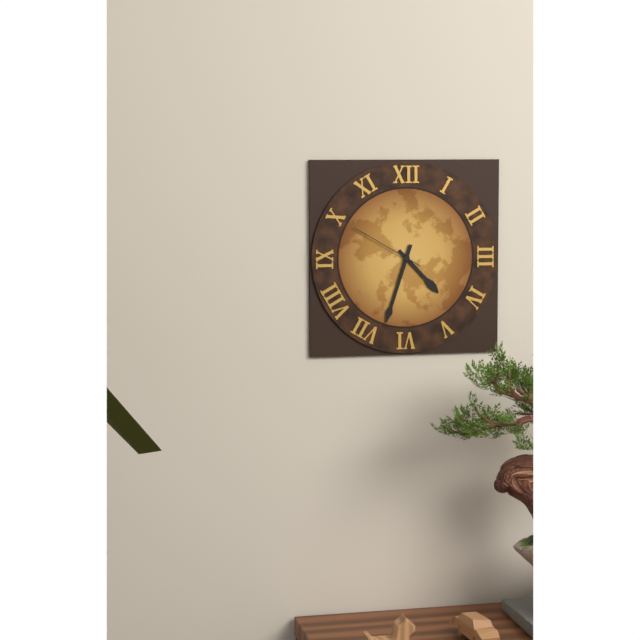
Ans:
h=4 m=33 s=50
